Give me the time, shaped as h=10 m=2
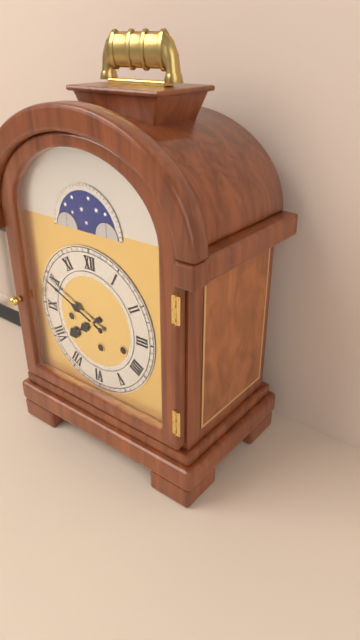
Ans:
h=7 m=49
